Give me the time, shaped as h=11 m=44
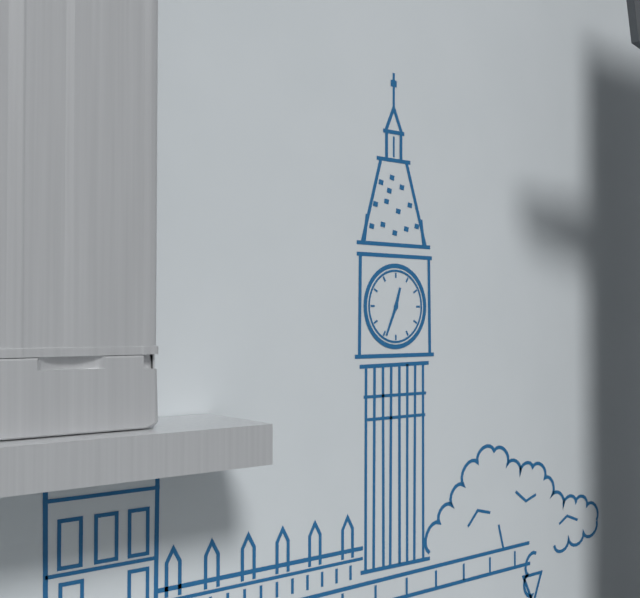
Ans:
h=12 m=34
